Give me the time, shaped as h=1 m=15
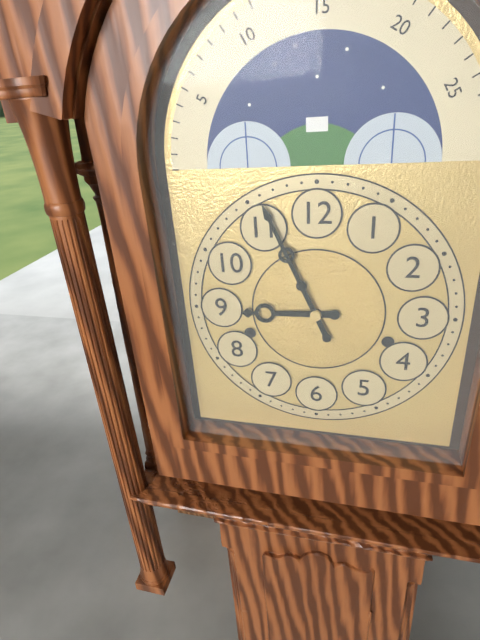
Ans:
h=8 m=56
